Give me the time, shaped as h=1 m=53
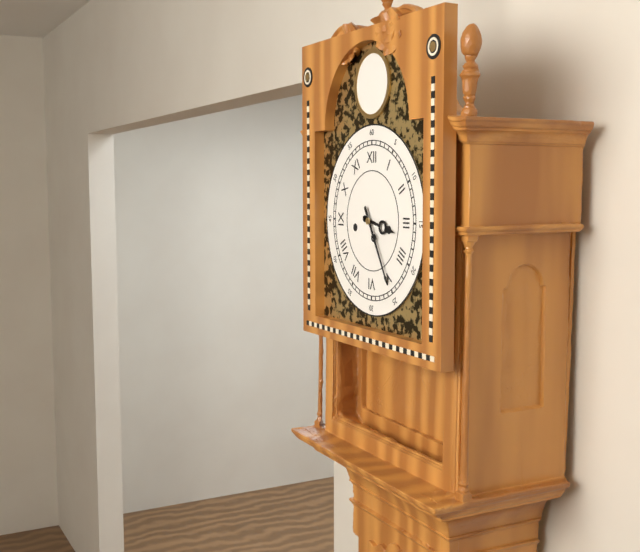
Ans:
h=3 m=25
